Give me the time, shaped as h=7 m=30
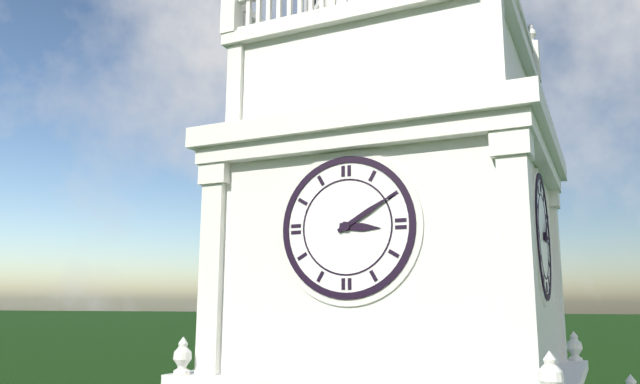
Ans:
h=3 m=10
